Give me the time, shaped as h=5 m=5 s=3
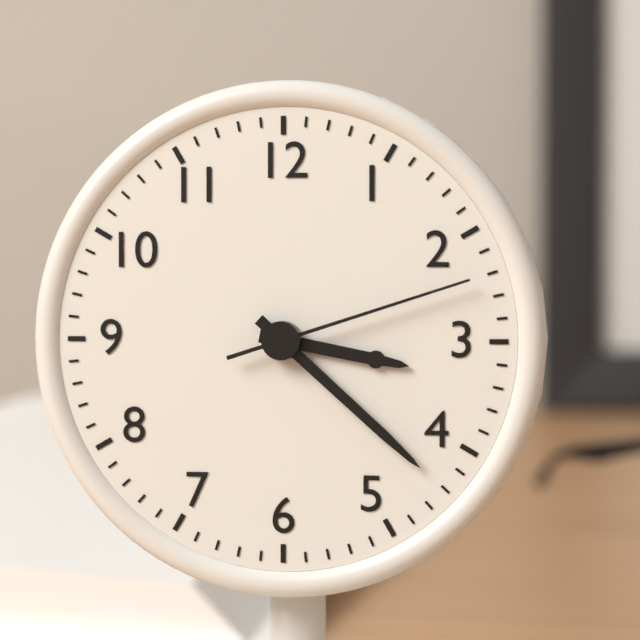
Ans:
h=3 m=22 s=12
